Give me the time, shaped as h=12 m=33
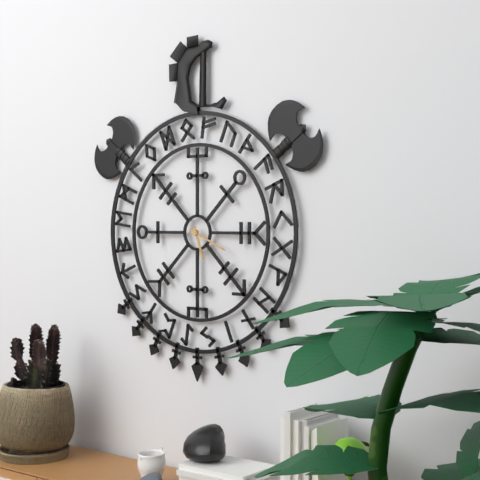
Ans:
h=5 m=19
